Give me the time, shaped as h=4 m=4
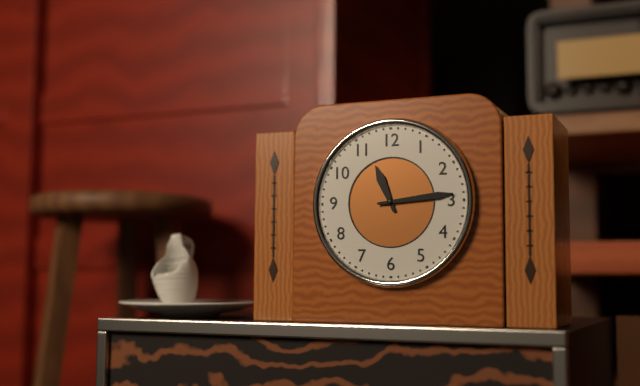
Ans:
h=11 m=14
